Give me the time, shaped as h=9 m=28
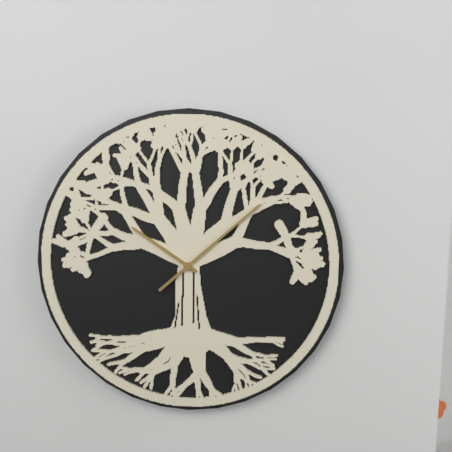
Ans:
h=10 m=8
